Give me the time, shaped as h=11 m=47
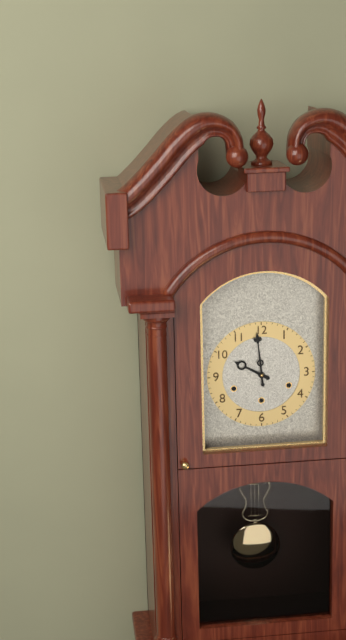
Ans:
h=9 m=59
